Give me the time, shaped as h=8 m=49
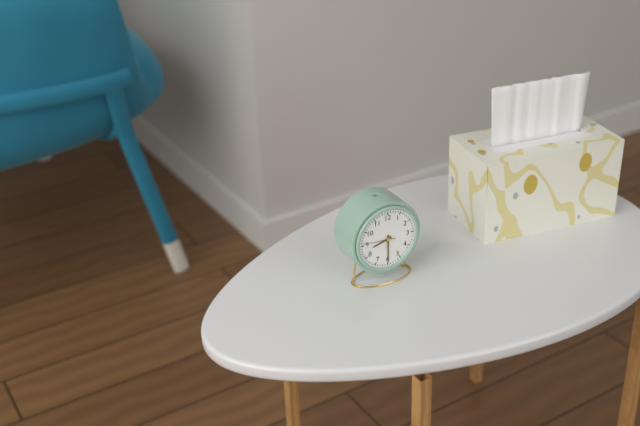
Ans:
h=8 m=30
